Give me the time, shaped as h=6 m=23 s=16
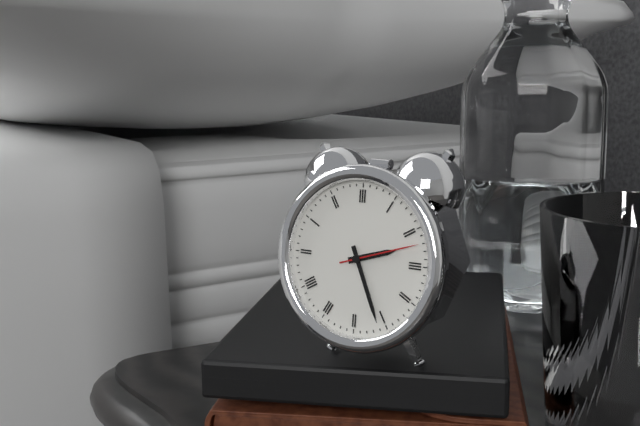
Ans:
h=2 m=26 s=12
